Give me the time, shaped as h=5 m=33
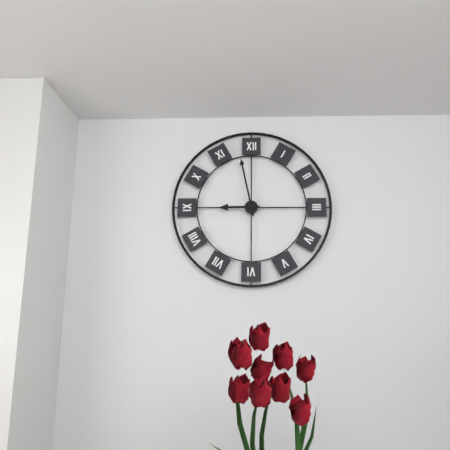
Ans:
h=8 m=58
